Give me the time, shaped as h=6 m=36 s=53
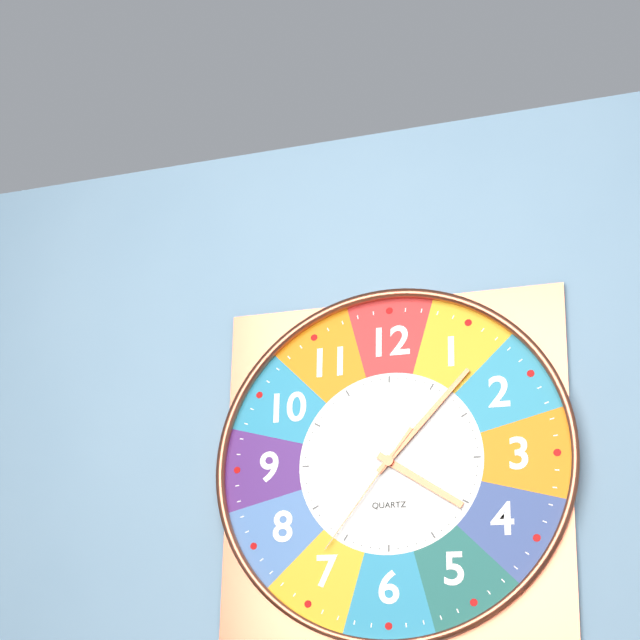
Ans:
h=4 m=7 s=36
